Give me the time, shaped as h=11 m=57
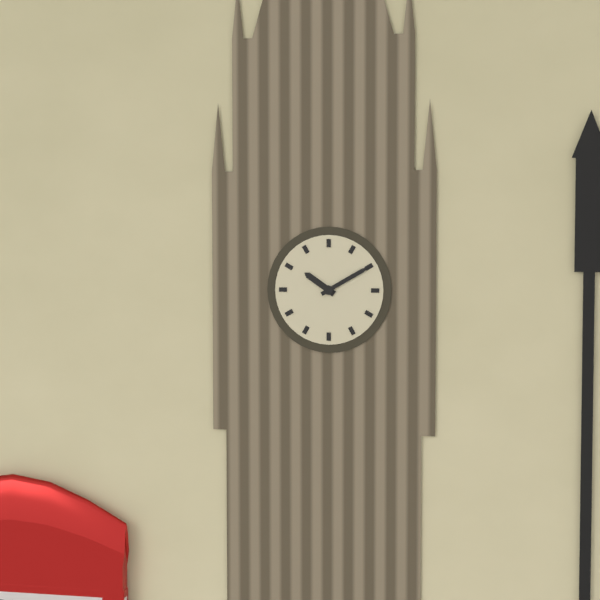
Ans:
h=10 m=10
